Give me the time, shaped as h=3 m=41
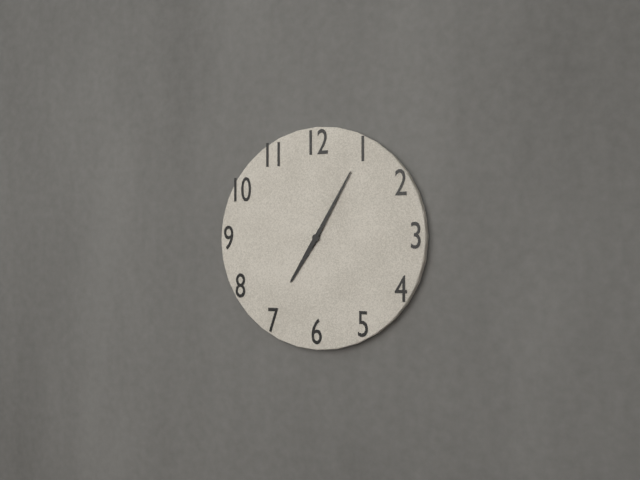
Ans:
h=7 m=5
